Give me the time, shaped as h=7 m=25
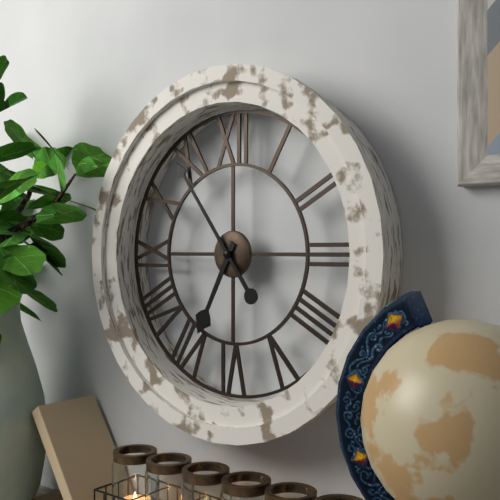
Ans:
h=6 m=54
